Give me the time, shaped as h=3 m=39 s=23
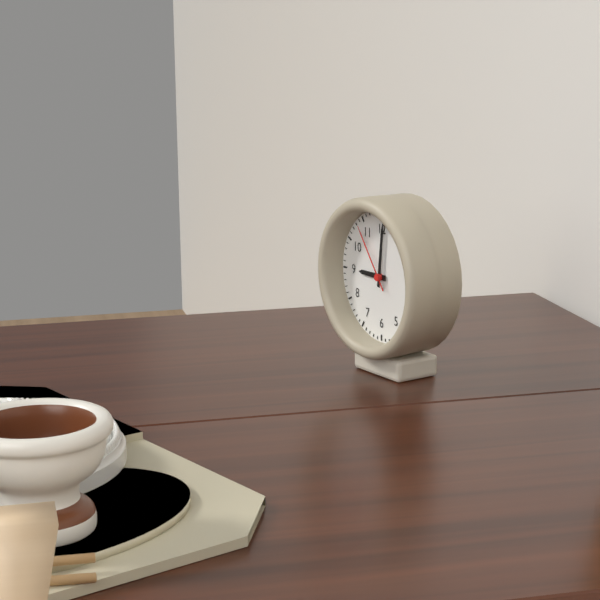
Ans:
h=9 m=1 s=54
